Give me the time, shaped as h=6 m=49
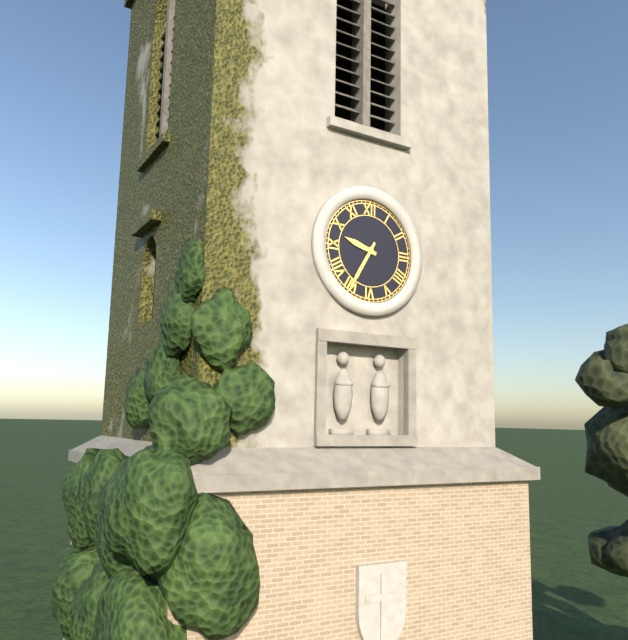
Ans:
h=9 m=35
